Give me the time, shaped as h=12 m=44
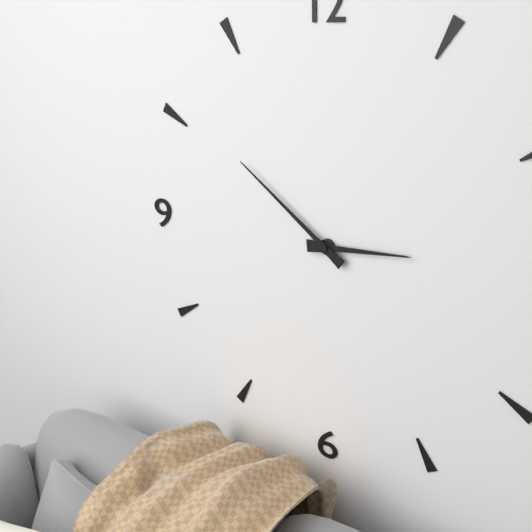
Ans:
h=2 m=51
